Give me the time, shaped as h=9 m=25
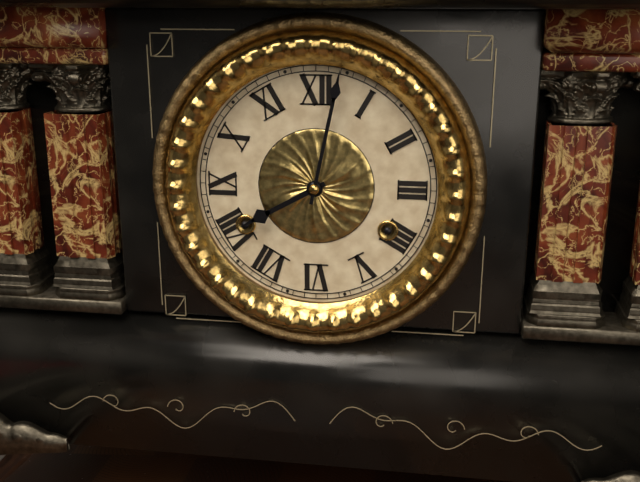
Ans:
h=8 m=2
